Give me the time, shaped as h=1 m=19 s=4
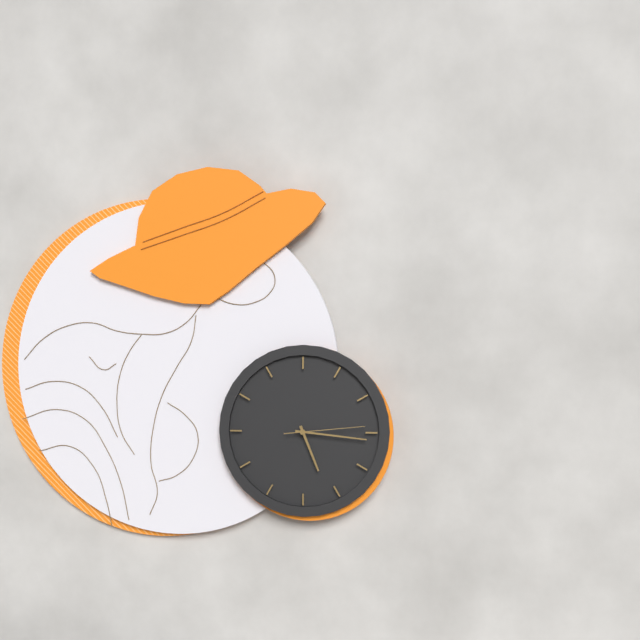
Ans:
h=5 m=16 s=14
